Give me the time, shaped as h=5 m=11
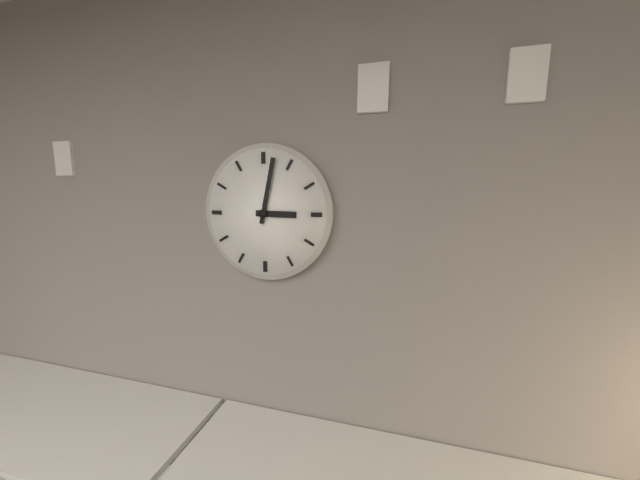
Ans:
h=3 m=2
